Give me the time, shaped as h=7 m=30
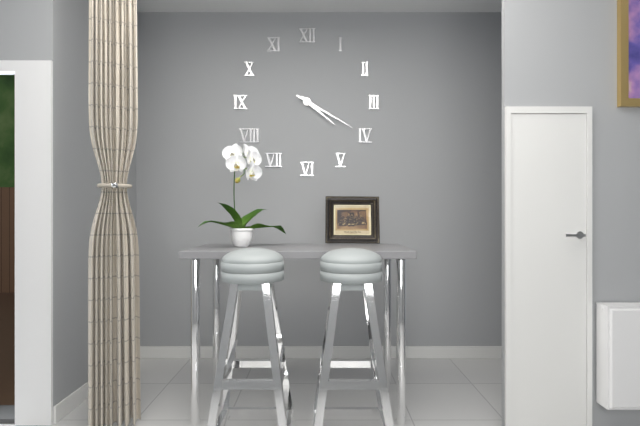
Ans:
h=4 m=20
